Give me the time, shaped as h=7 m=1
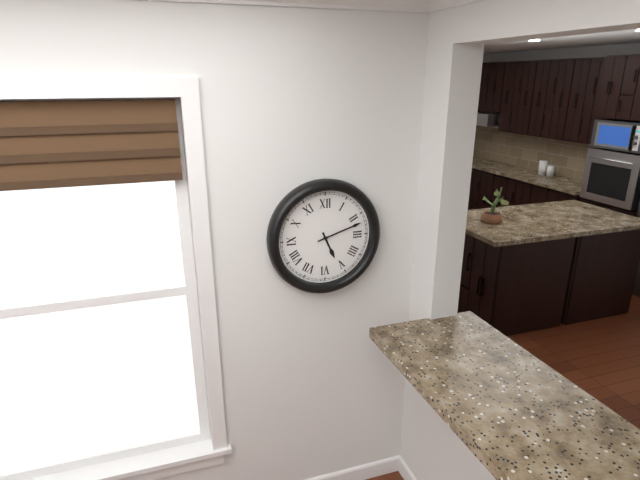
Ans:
h=5 m=12
